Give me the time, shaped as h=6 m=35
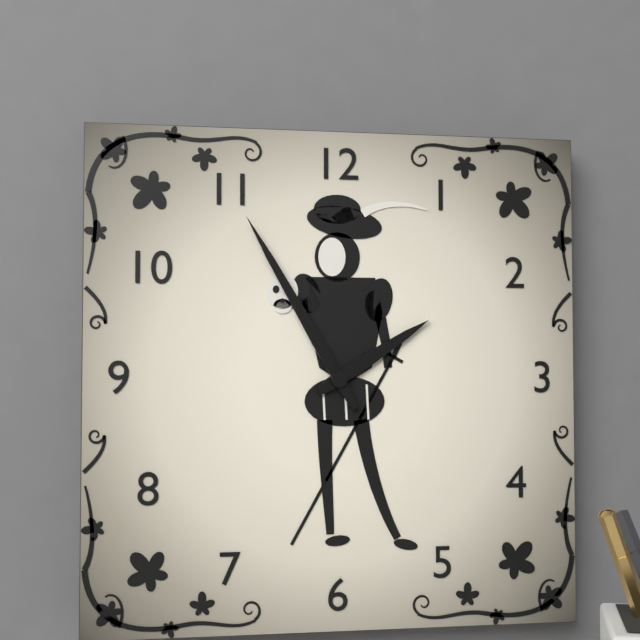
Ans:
h=1 m=55
